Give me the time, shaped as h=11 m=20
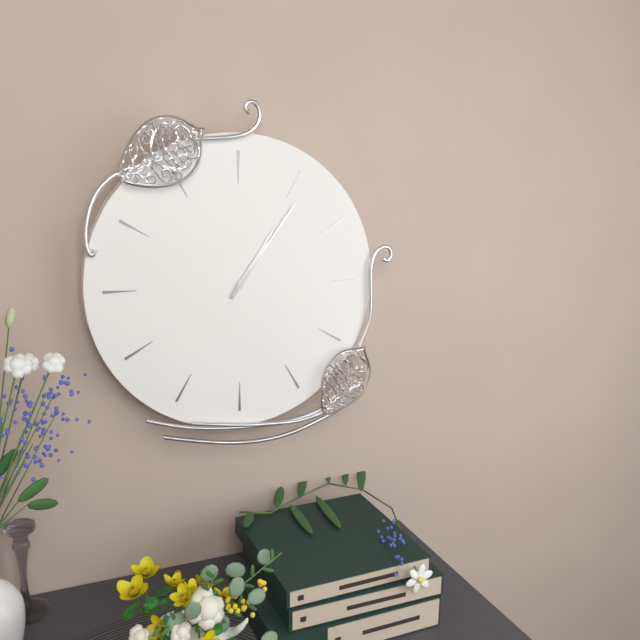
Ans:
h=1 m=6
